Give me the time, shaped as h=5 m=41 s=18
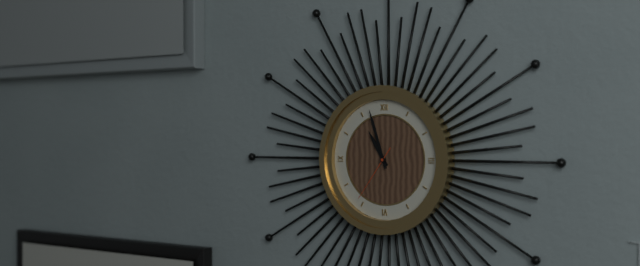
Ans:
h=10 m=57 s=36
